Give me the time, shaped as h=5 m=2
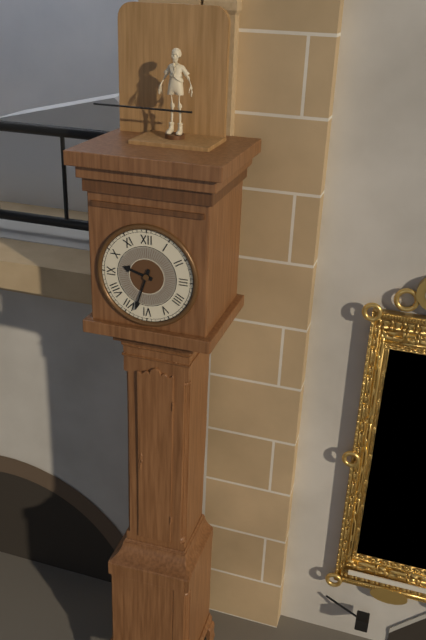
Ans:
h=9 m=33
